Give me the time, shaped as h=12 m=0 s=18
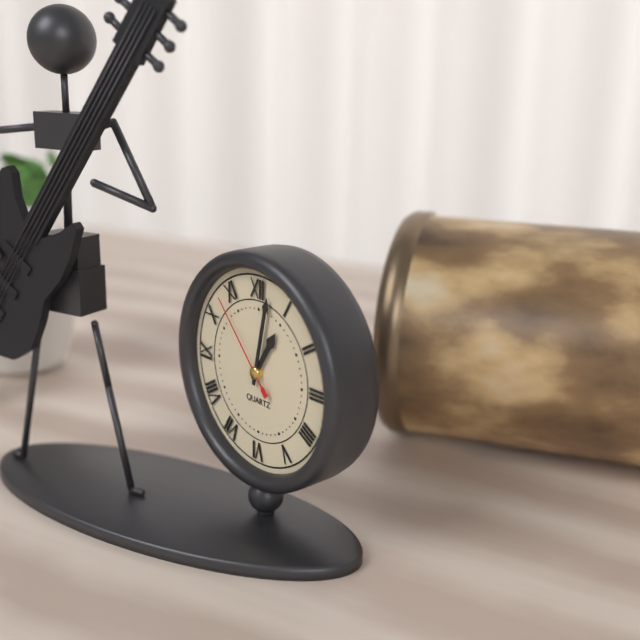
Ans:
h=1 m=2 s=53
